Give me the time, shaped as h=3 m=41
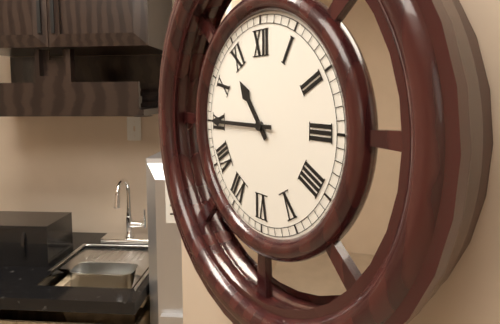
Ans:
h=10 m=45
